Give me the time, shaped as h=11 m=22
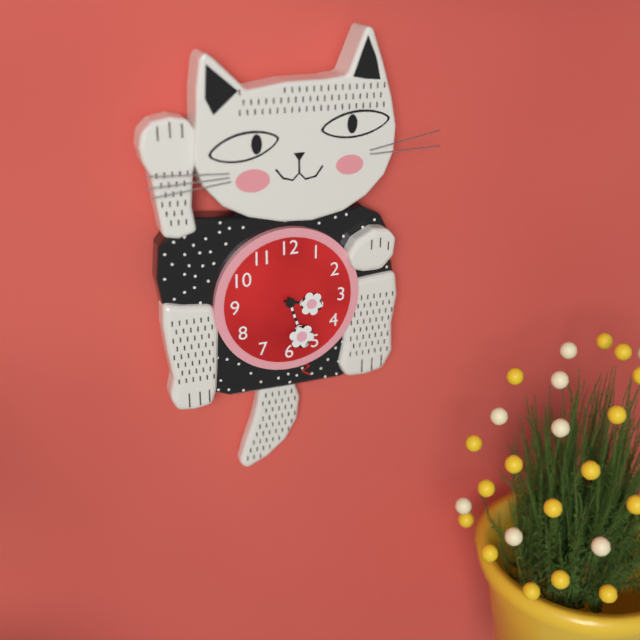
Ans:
h=3 m=27
